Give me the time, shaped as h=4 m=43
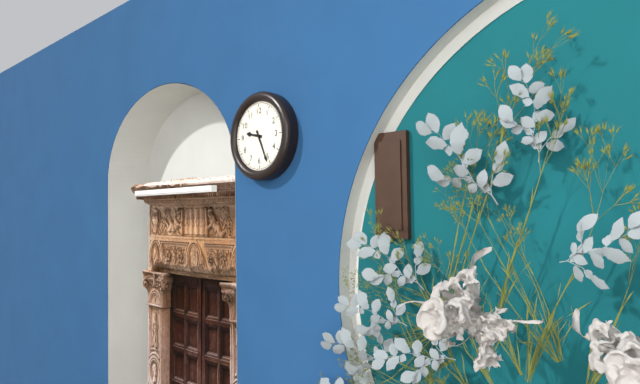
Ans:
h=9 m=26
